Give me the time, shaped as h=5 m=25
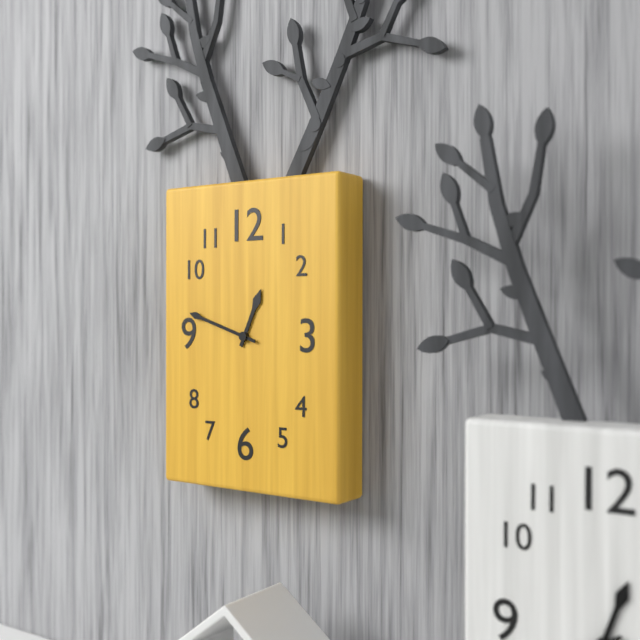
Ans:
h=12 m=48
